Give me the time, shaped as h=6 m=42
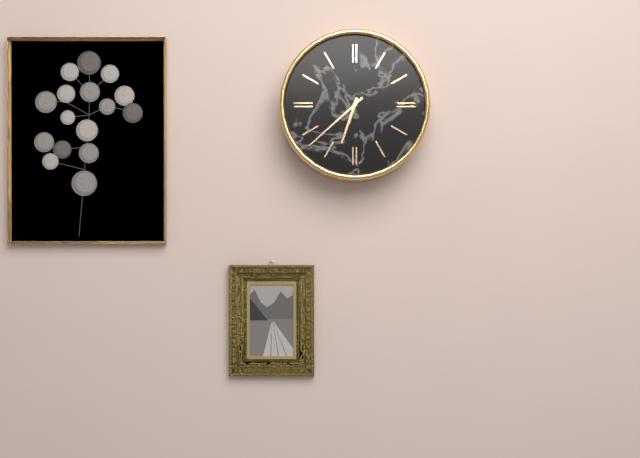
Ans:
h=6 m=38
